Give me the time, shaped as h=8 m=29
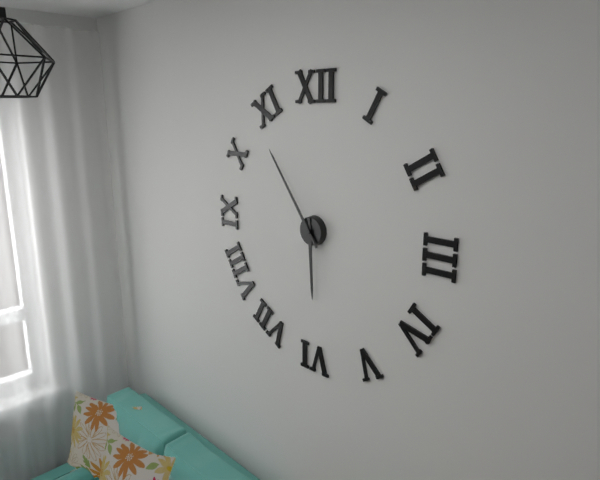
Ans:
h=5 m=54
